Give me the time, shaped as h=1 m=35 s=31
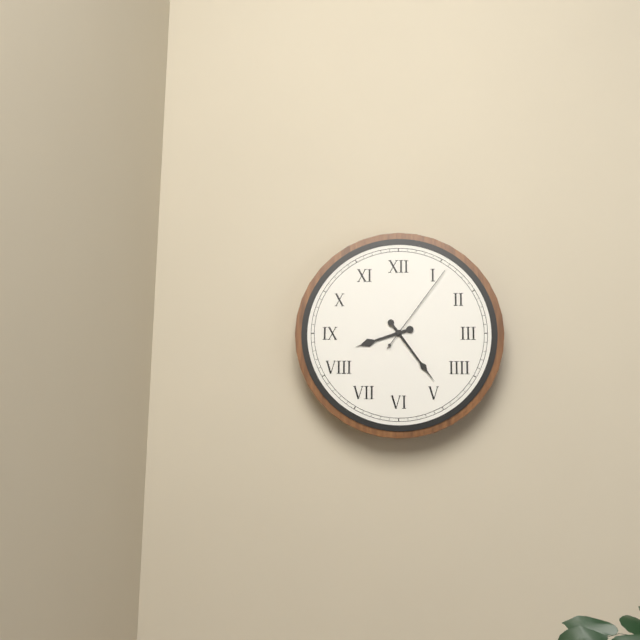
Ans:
h=8 m=24 s=6
